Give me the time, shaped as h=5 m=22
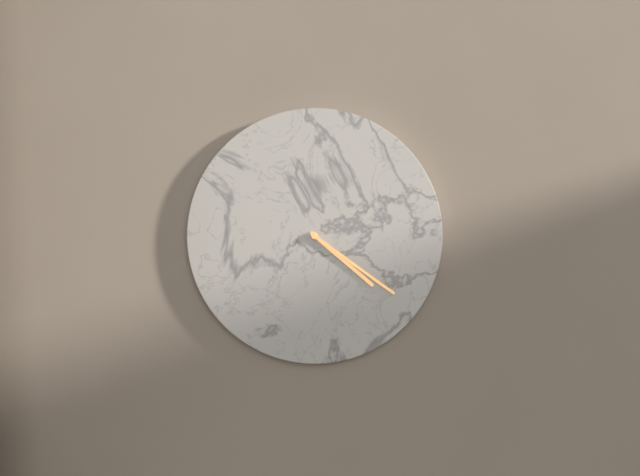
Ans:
h=4 m=21
